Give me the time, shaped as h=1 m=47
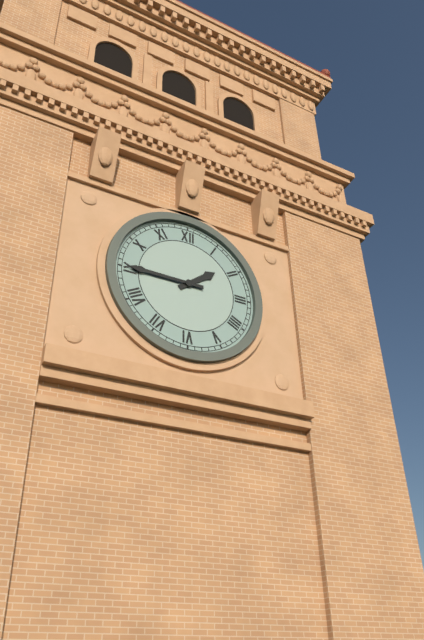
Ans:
h=1 m=45
